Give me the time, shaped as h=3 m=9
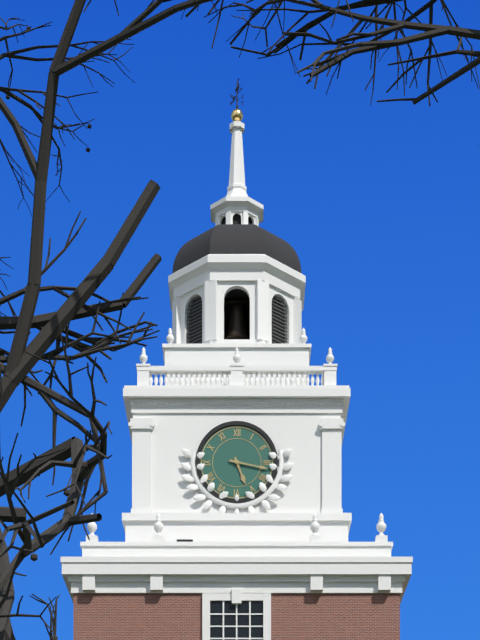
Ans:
h=5 m=17
